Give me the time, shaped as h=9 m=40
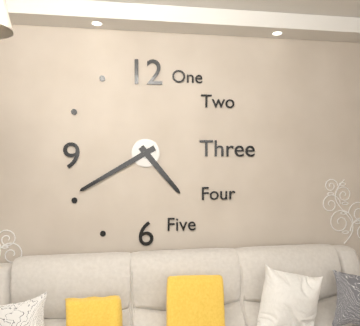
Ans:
h=4 m=40
